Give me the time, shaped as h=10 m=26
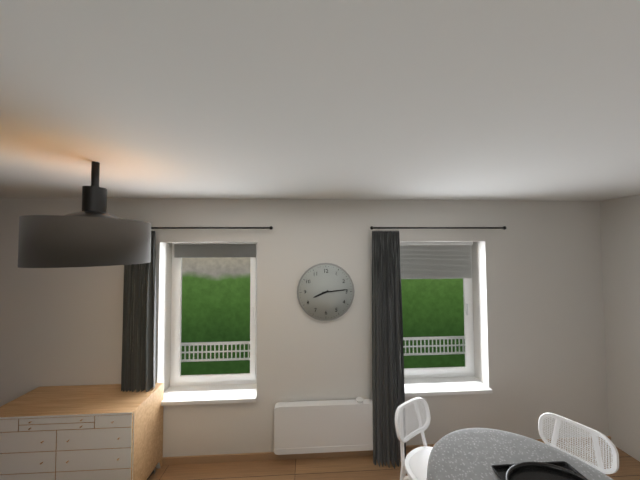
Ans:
h=8 m=14
